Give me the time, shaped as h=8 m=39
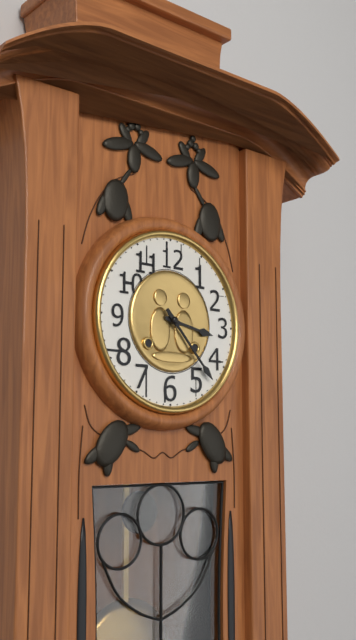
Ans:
h=3 m=23
